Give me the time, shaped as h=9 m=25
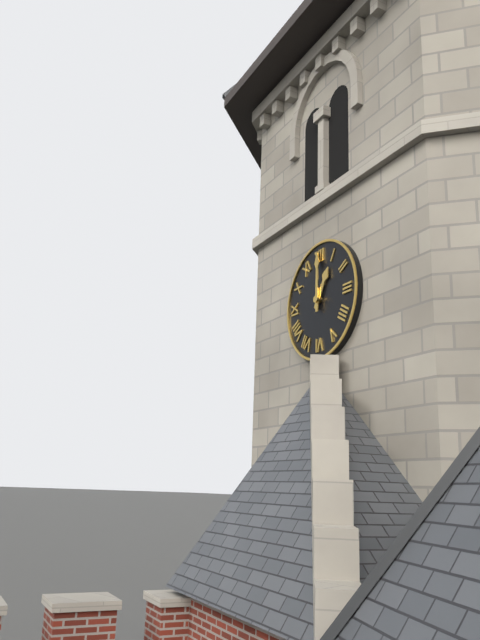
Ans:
h=1 m=0
